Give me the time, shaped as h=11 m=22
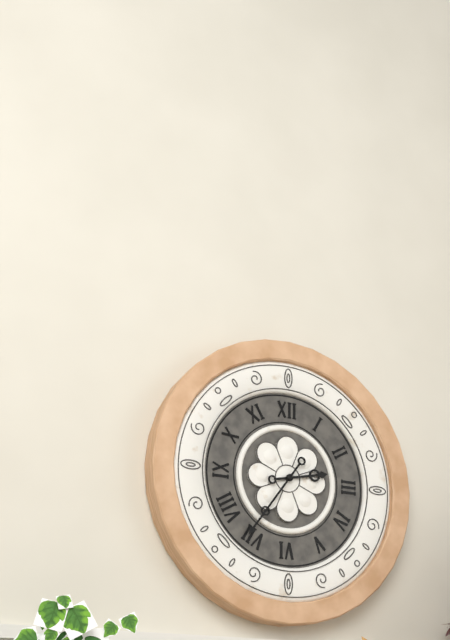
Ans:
h=2 m=36
